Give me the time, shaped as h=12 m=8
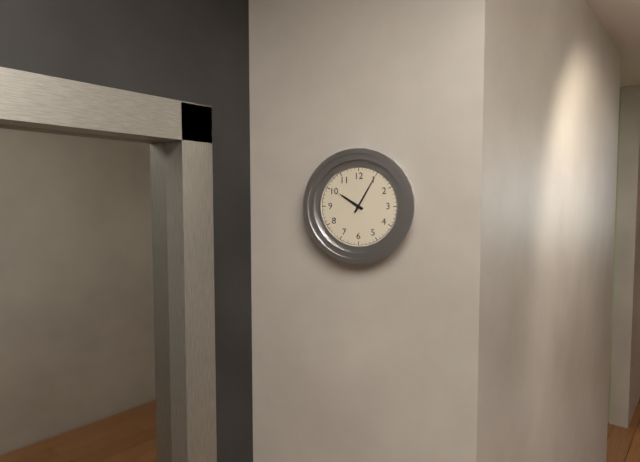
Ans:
h=10 m=5
